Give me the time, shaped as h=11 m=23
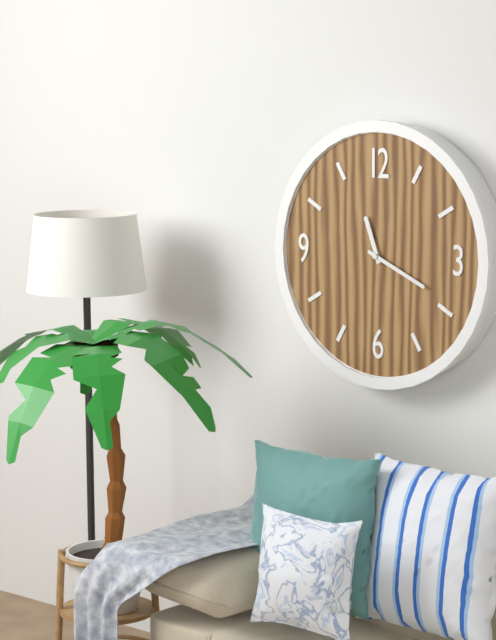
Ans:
h=11 m=19
